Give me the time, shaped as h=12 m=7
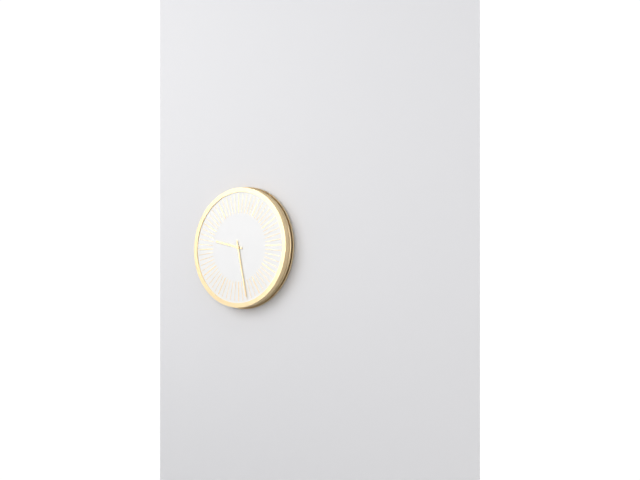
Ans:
h=9 m=28
